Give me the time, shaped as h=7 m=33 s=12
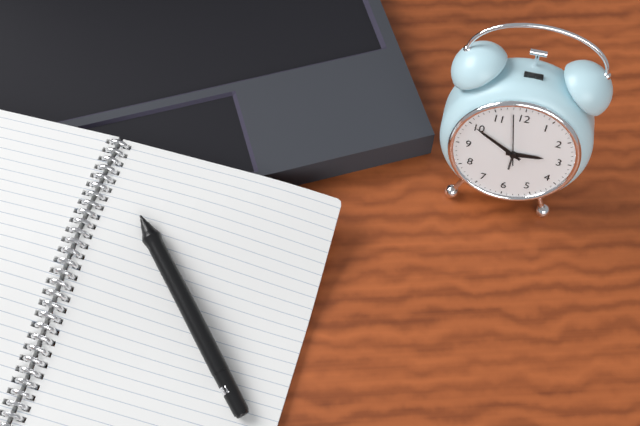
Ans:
h=2 m=50 s=58
